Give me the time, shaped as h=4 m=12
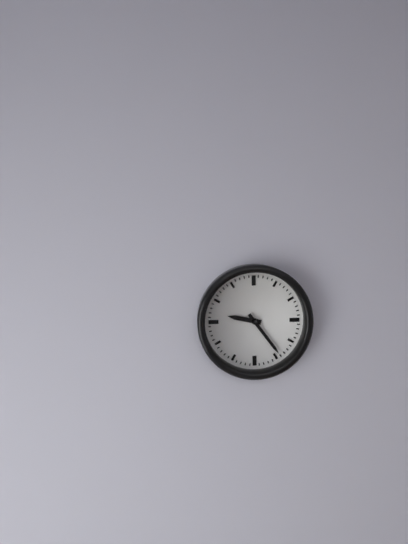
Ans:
h=9 m=24
